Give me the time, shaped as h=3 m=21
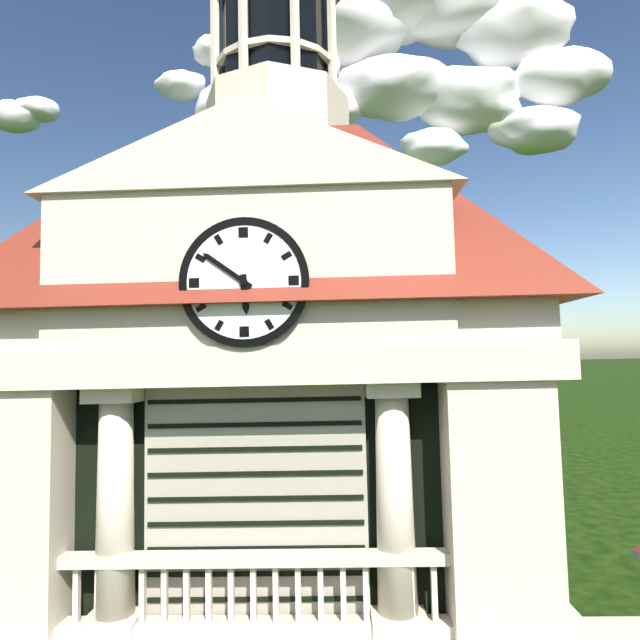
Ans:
h=5 m=51
